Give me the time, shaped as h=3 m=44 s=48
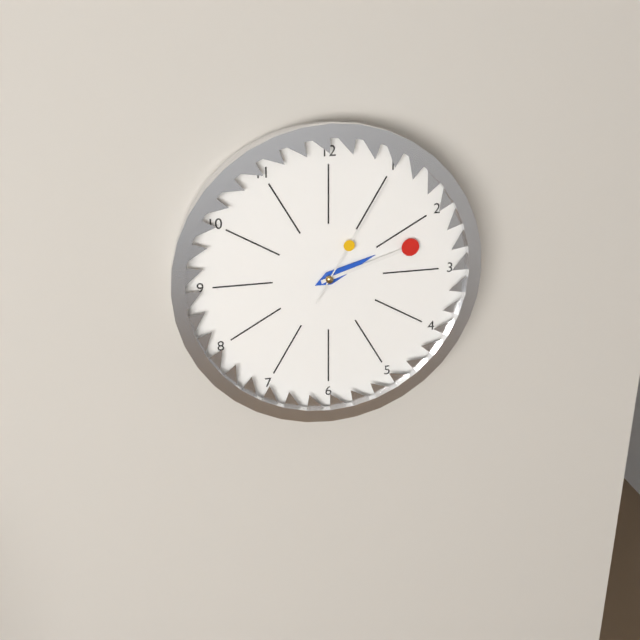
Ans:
h=2 m=12 s=5
